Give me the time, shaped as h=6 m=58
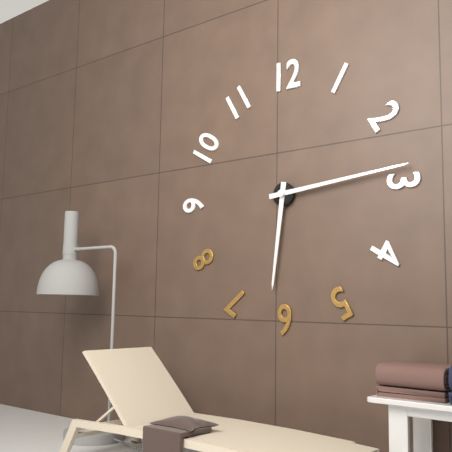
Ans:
h=6 m=14
